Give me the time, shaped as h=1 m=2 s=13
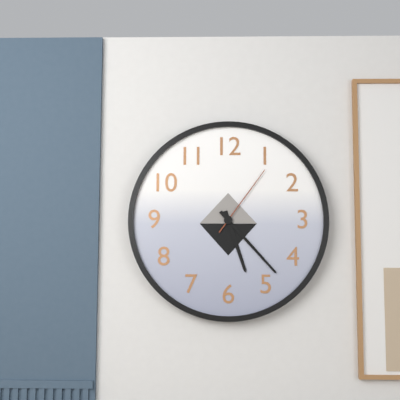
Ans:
h=5 m=23 s=6
